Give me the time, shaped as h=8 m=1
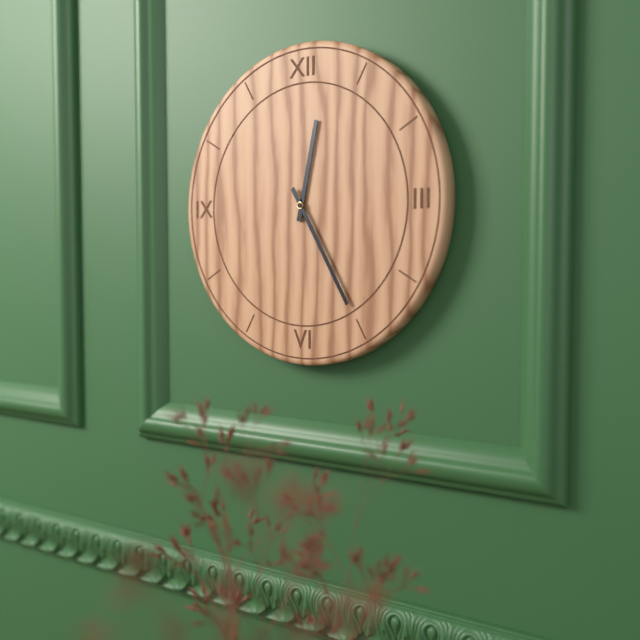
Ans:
h=12 m=25
